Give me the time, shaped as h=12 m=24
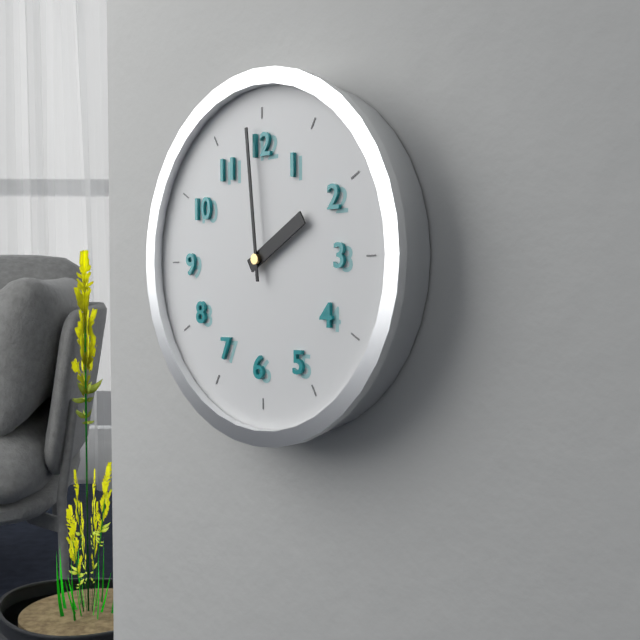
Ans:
h=1 m=59
